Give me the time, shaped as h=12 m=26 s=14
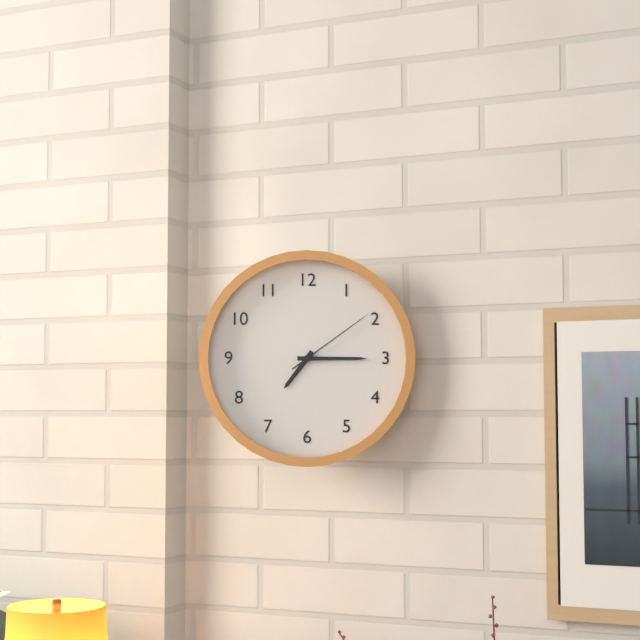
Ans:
h=7 m=15 s=9
